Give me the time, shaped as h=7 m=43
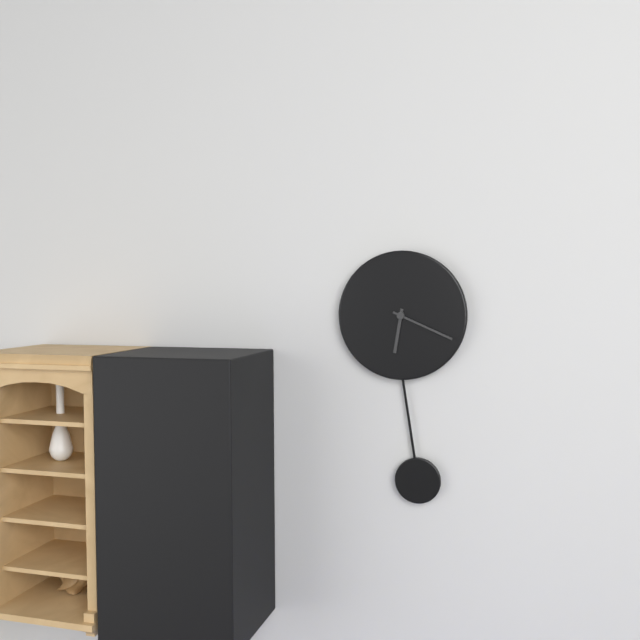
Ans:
h=6 m=19
